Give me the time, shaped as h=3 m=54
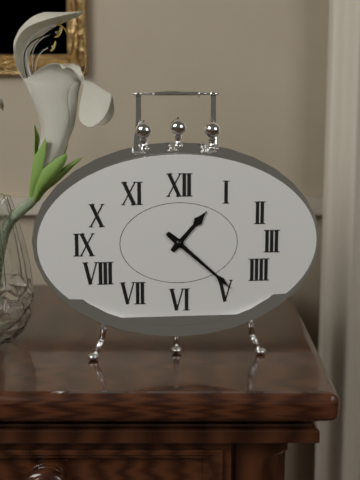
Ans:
h=1 m=22
